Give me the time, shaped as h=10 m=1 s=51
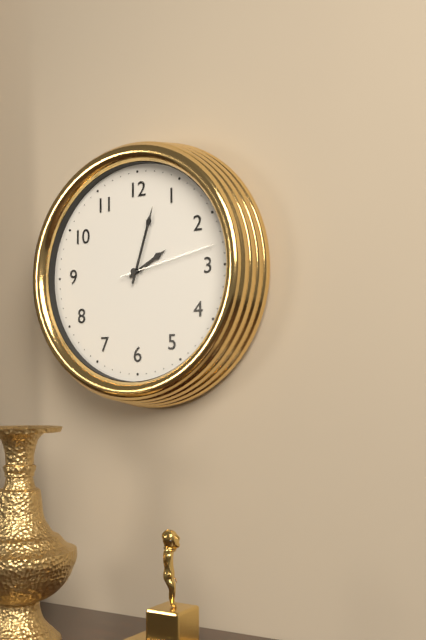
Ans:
h=2 m=3 s=13
